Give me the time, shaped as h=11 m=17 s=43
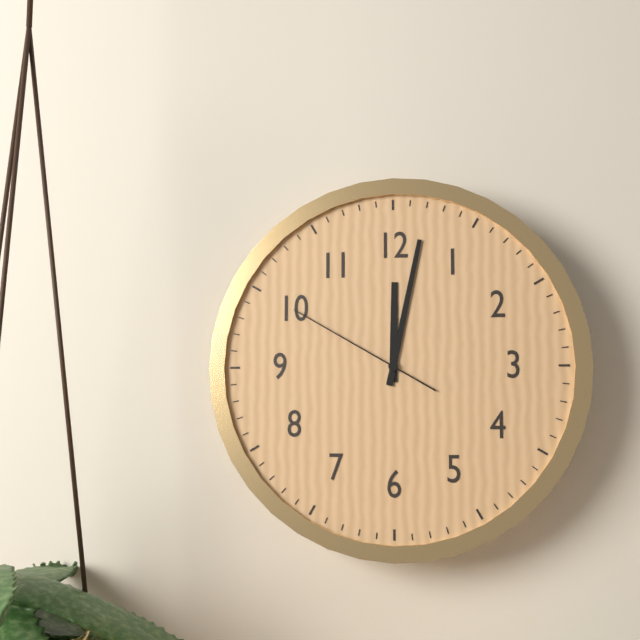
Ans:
h=12 m=2 s=50
